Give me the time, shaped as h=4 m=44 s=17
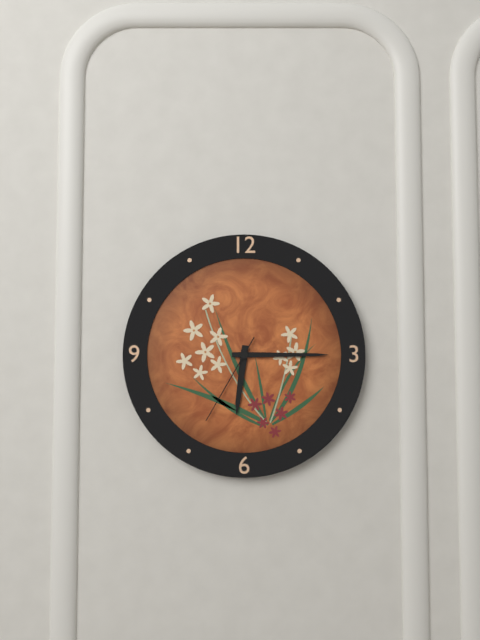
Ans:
h=6 m=15 s=35
